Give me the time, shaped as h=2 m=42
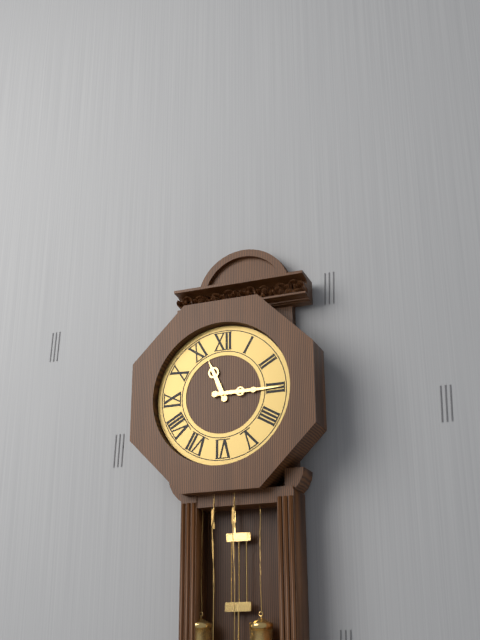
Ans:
h=11 m=15
